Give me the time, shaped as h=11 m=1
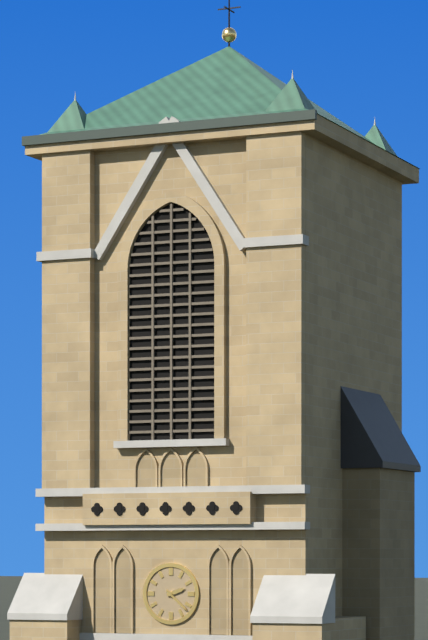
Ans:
h=2 m=22
